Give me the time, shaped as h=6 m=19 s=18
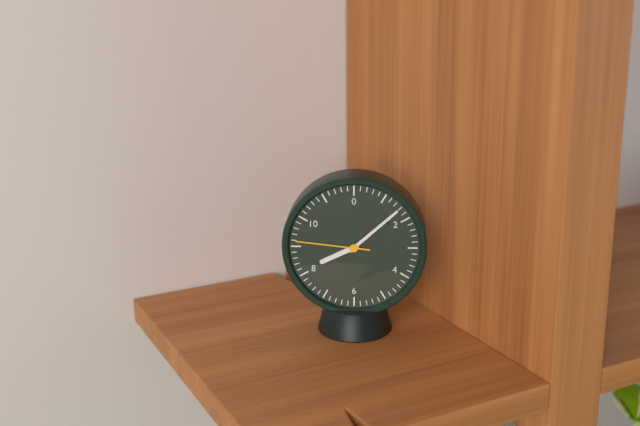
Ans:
h=8 m=8 s=46
